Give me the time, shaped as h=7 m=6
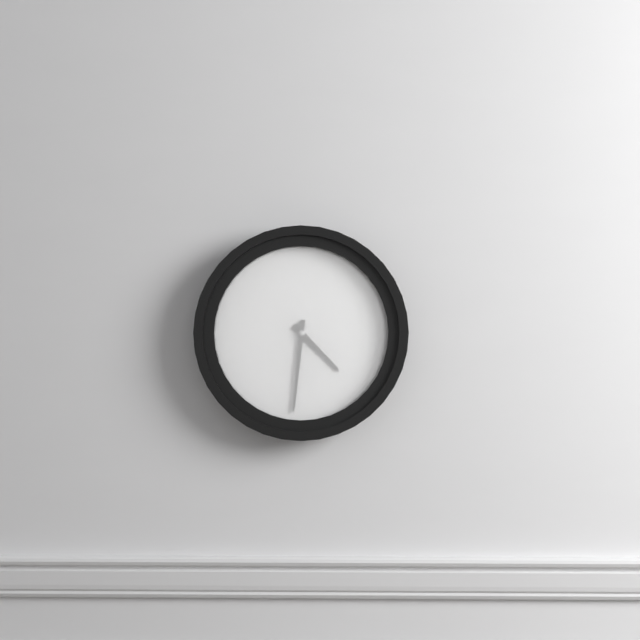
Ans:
h=4 m=31
